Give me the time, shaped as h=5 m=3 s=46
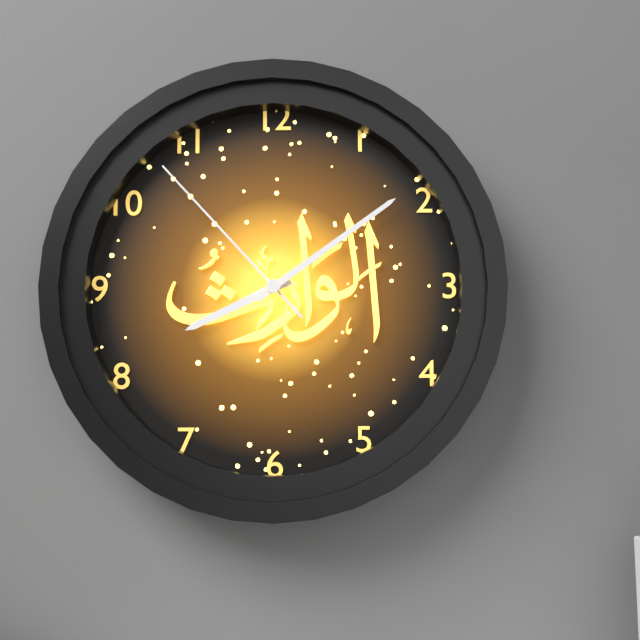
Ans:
h=8 m=9 s=53
